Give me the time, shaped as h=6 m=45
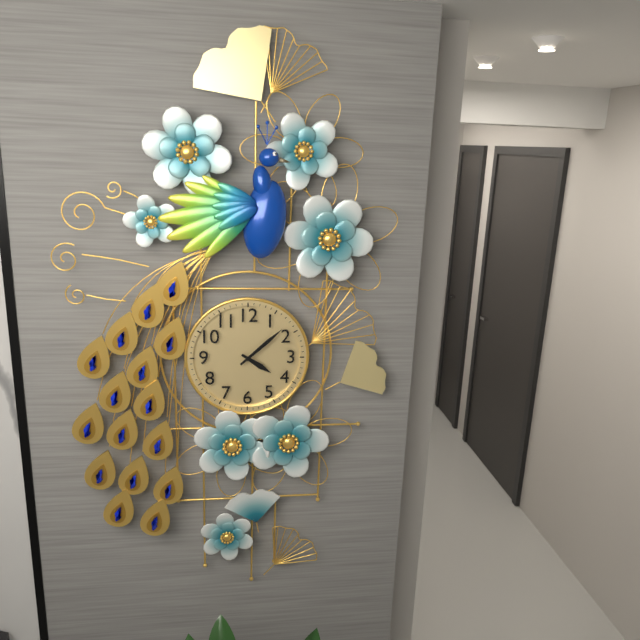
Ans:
h=4 m=8
